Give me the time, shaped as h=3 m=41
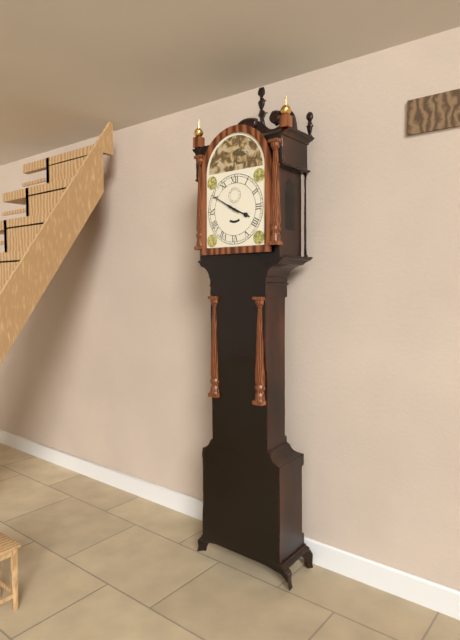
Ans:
h=3 m=50
